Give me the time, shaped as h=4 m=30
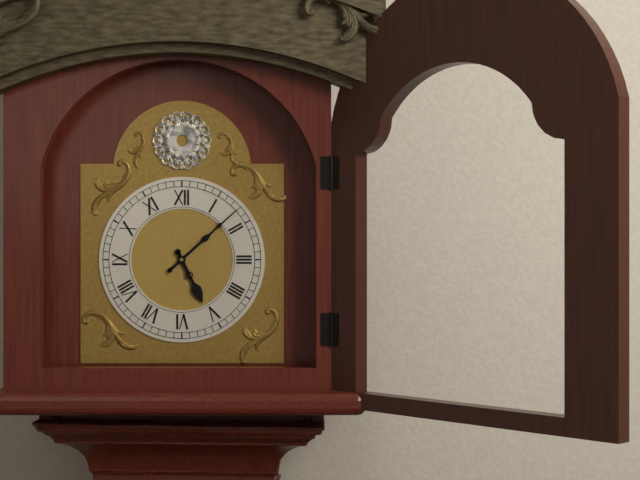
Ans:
h=5 m=8
